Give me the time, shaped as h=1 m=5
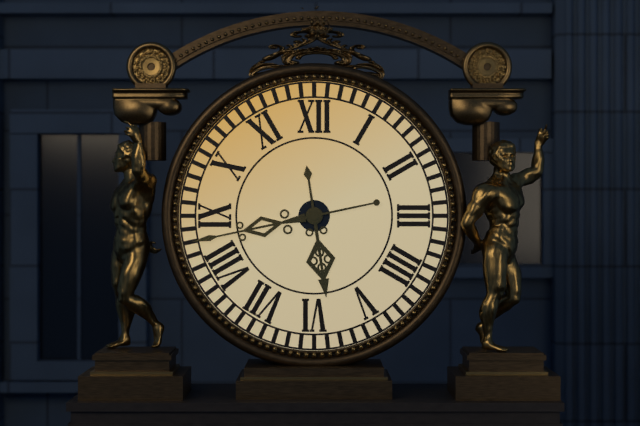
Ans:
h=5 m=43
